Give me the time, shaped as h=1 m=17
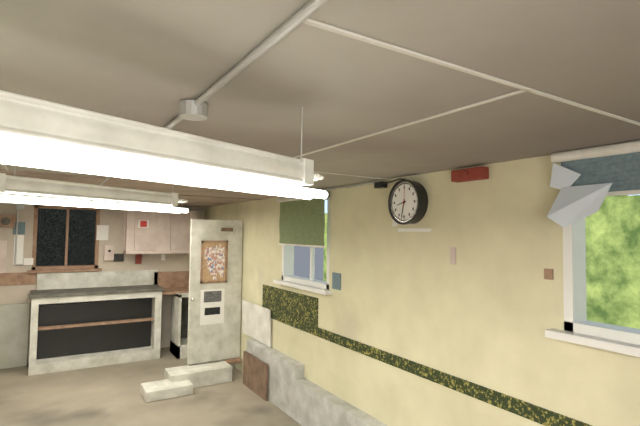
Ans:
h=8 m=32
